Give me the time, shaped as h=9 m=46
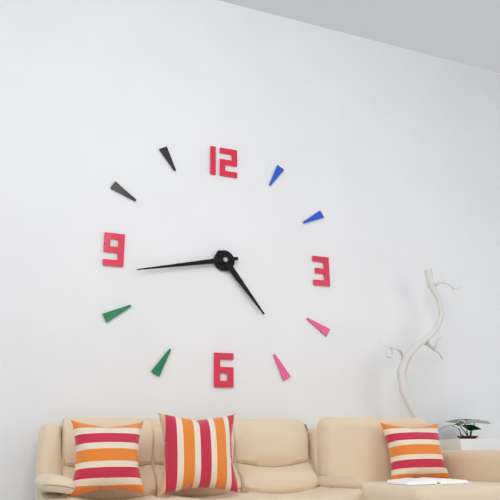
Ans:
h=4 m=43
